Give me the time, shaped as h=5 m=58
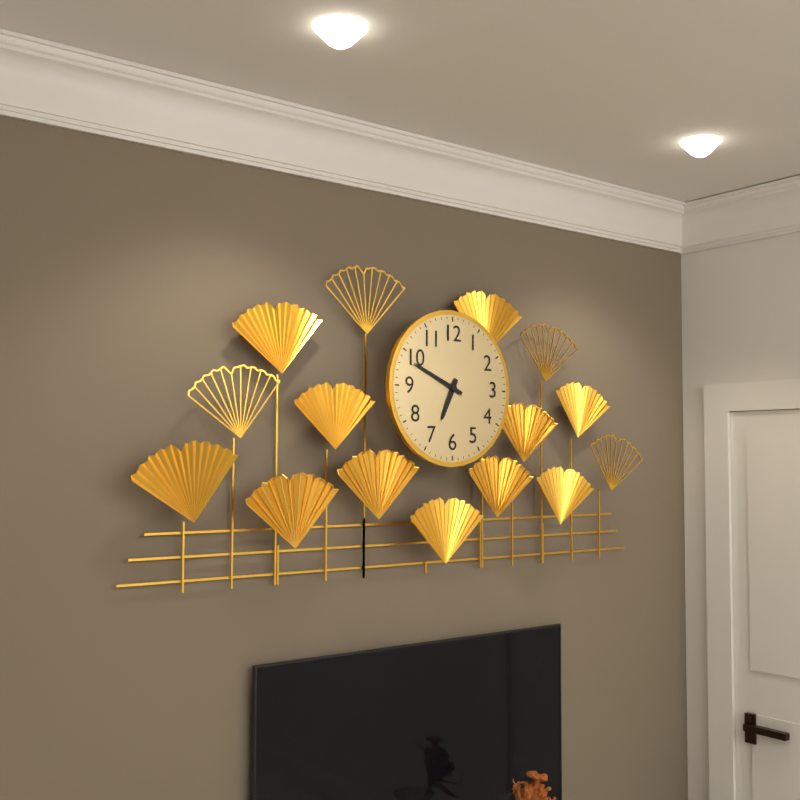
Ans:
h=6 m=49
